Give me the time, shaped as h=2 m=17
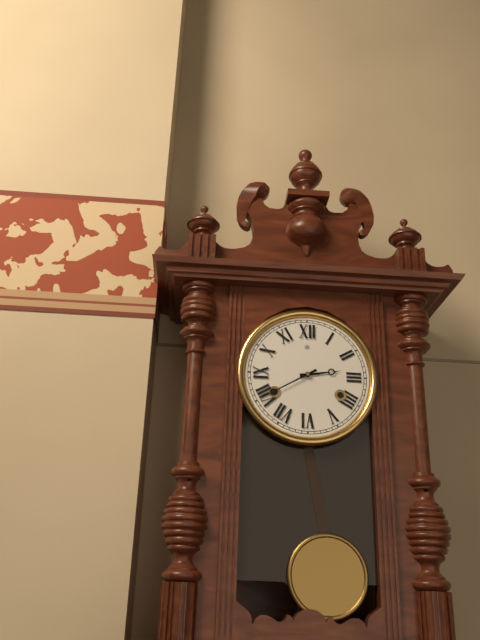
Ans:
h=2 m=40
